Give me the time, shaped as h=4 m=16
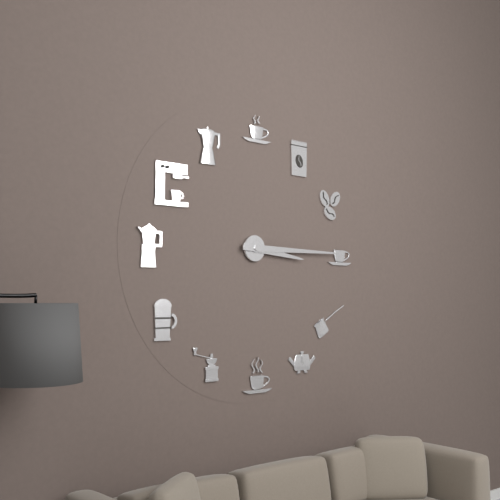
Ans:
h=3 m=15
